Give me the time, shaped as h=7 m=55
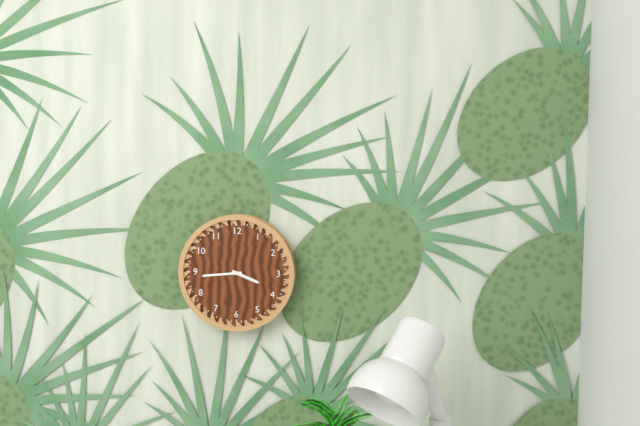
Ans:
h=3 m=44
